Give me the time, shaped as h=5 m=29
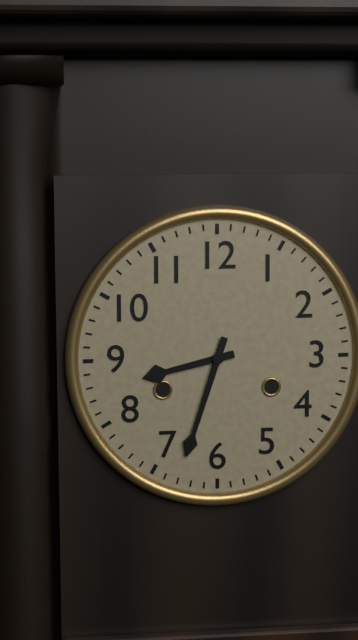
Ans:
h=8 m=33
